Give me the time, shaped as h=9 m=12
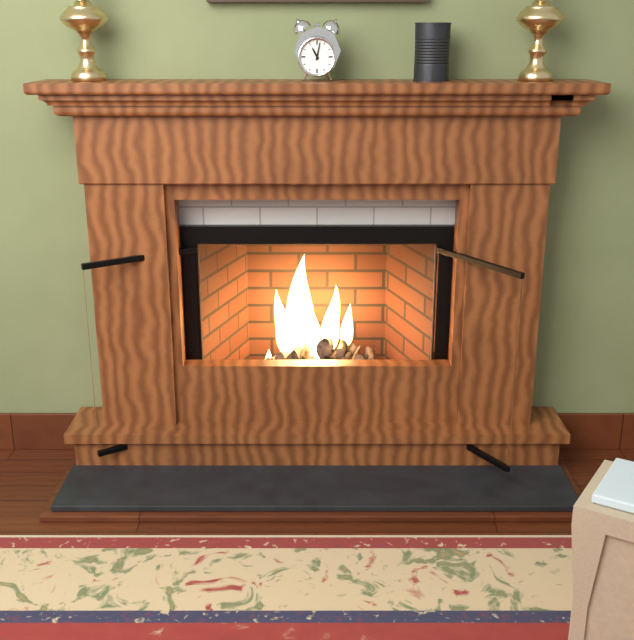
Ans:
h=11 m=2
